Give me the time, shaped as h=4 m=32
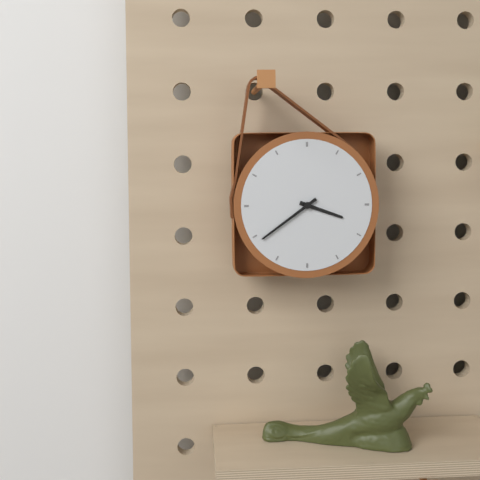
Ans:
h=3 m=39
